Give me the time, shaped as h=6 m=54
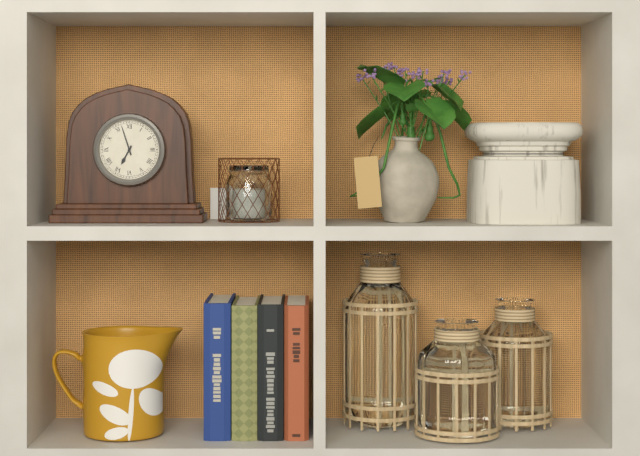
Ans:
h=6 m=57
